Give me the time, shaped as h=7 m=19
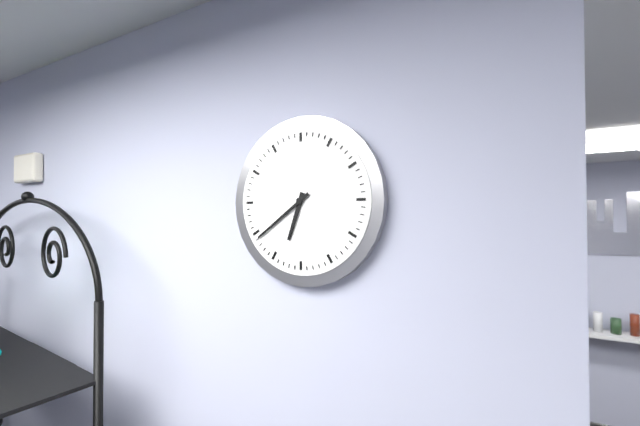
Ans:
h=6 m=39
